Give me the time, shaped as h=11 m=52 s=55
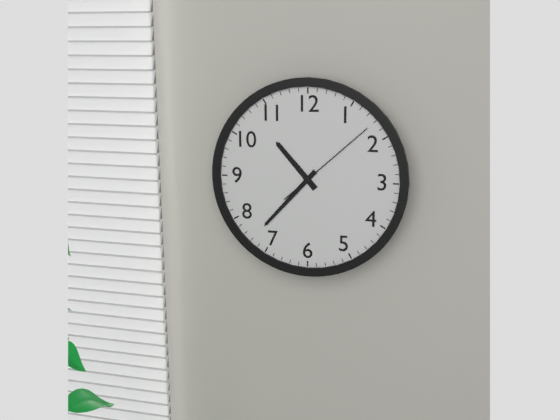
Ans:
h=10 m=37 s=8
